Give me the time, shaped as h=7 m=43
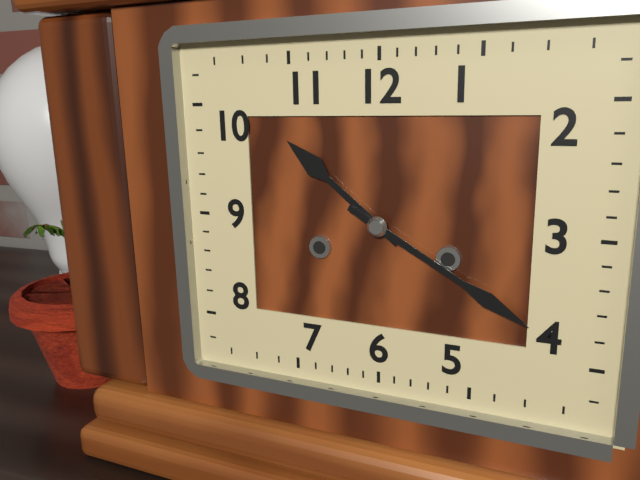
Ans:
h=10 m=20
